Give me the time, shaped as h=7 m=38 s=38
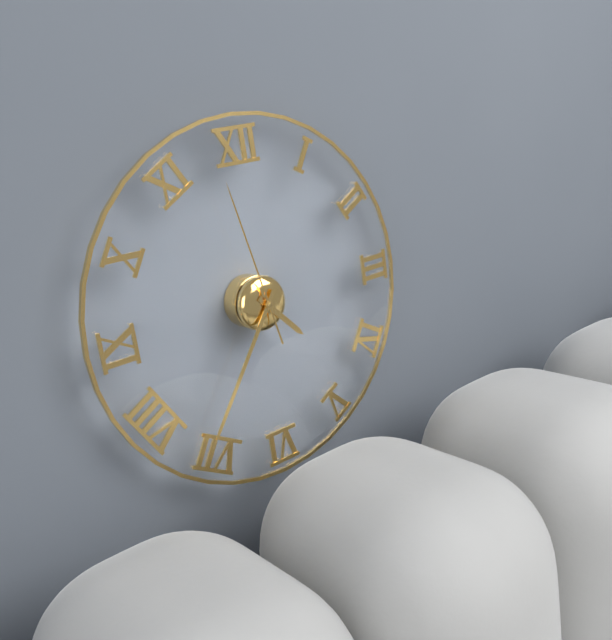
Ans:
h=4 m=36 s=58
